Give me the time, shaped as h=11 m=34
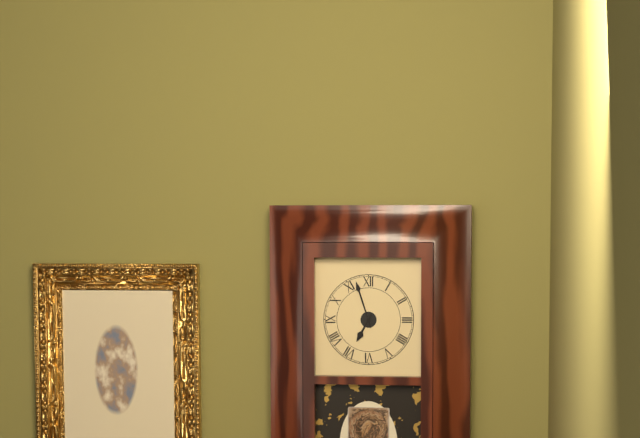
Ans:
h=6 m=57
